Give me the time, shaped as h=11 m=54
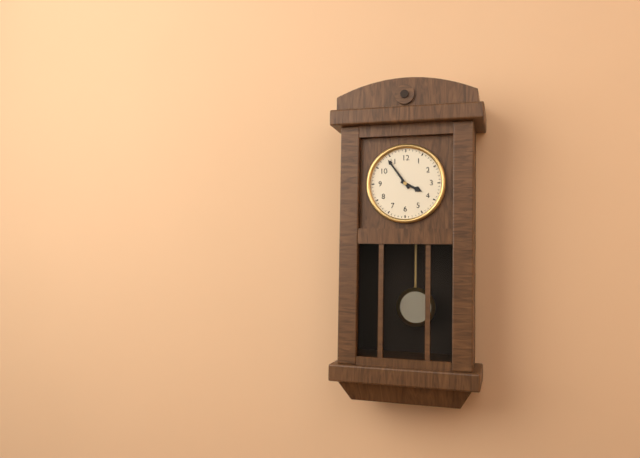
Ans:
h=3 m=54
